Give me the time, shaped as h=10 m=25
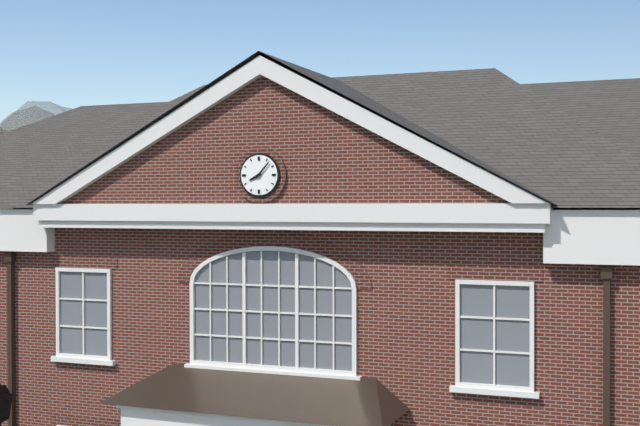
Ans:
h=8 m=7
